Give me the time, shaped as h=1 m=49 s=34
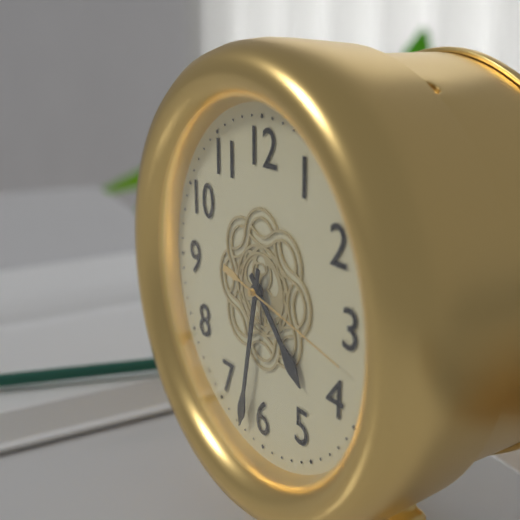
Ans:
h=4 m=32 s=17
